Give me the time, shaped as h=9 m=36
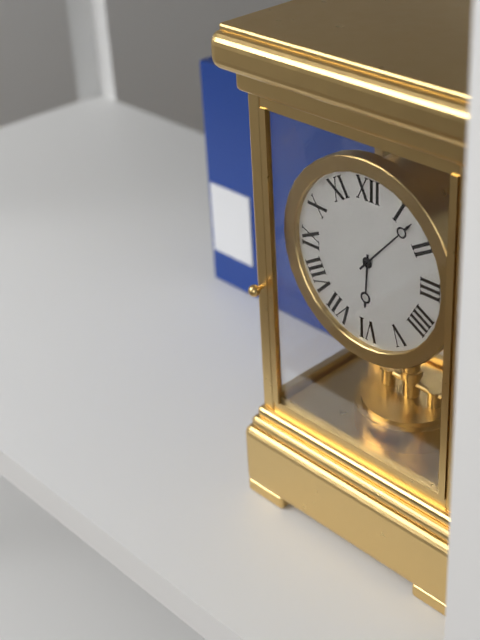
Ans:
h=6 m=7
